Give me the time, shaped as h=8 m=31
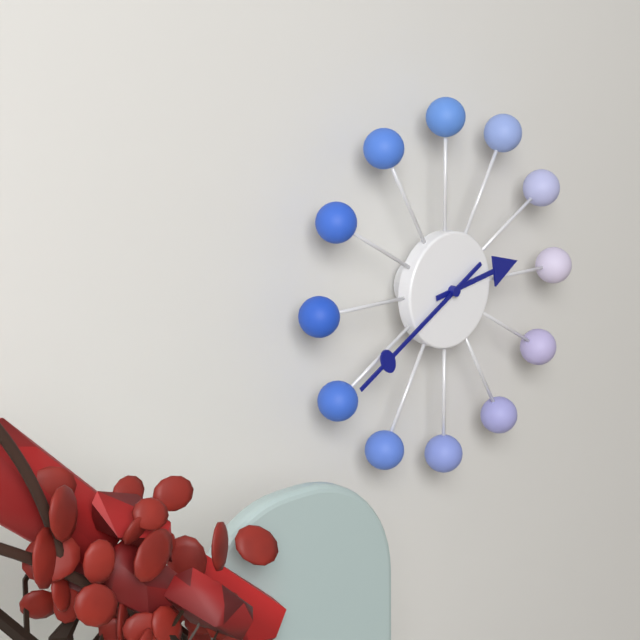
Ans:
h=2 m=40
